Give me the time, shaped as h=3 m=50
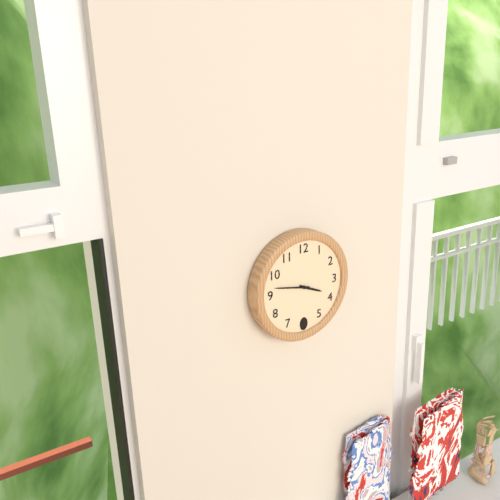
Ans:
h=3 m=47
